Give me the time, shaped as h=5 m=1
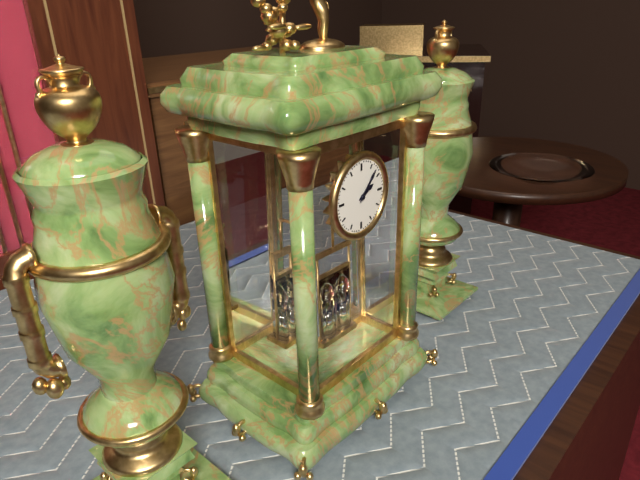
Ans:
h=2 m=7
